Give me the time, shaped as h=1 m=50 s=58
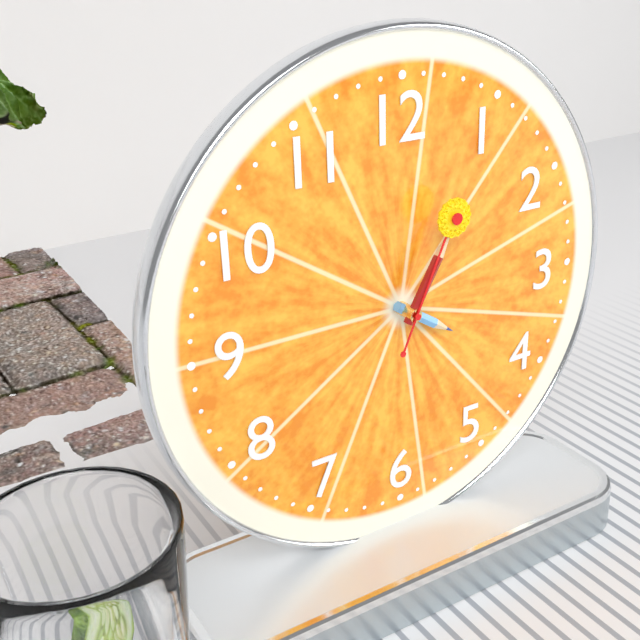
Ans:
h=4 m=5 s=4
